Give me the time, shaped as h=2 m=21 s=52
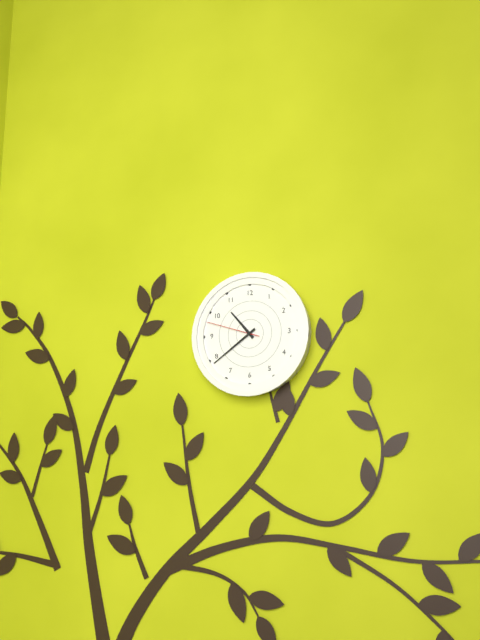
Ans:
h=10 m=39 s=48
